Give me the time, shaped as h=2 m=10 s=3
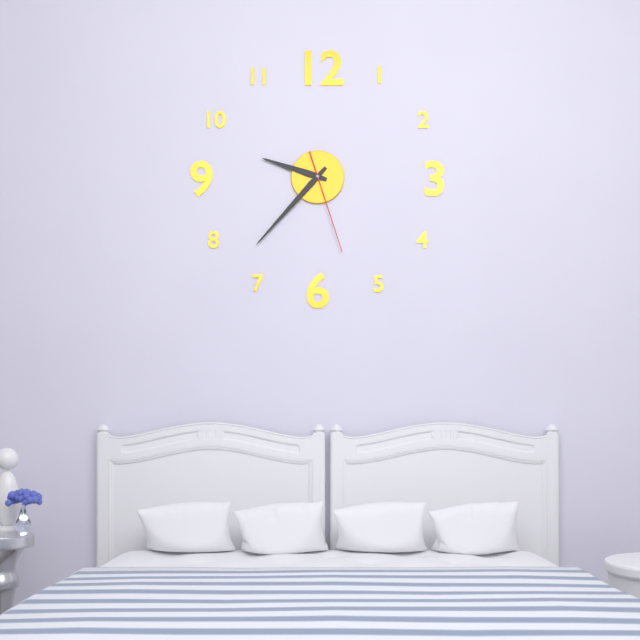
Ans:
h=9 m=37 s=27
